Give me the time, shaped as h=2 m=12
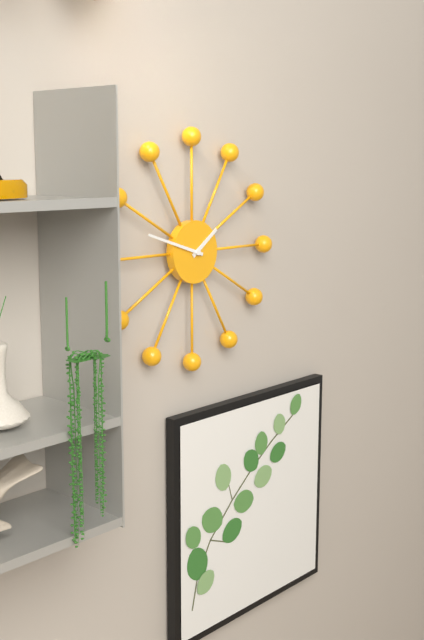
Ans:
h=1 m=48
